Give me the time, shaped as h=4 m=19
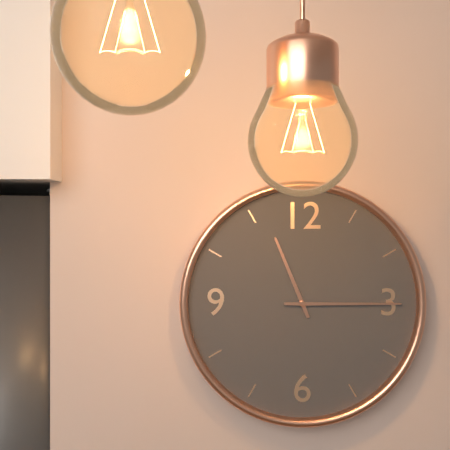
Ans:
h=11 m=15
